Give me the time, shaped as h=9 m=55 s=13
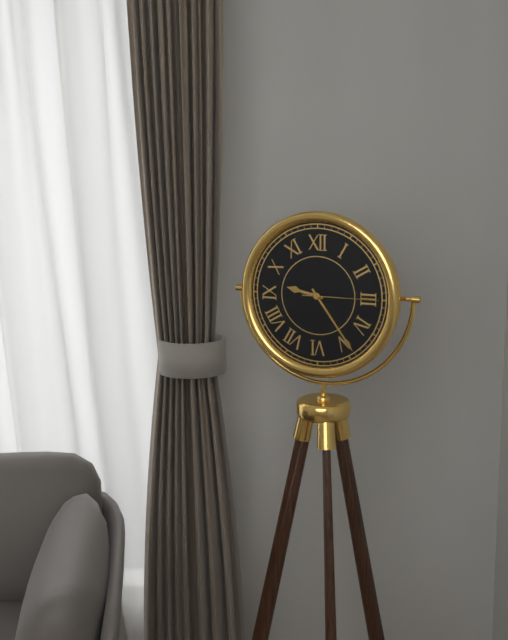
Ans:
h=9 m=24 s=15
